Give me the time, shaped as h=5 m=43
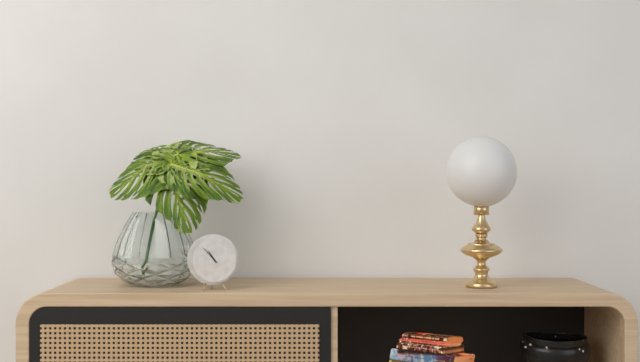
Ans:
h=10 m=53
